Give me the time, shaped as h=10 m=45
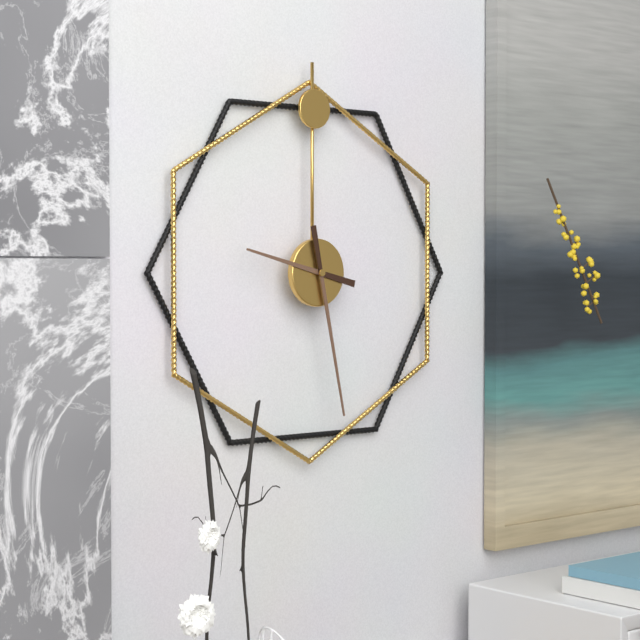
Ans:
h=9 m=28
